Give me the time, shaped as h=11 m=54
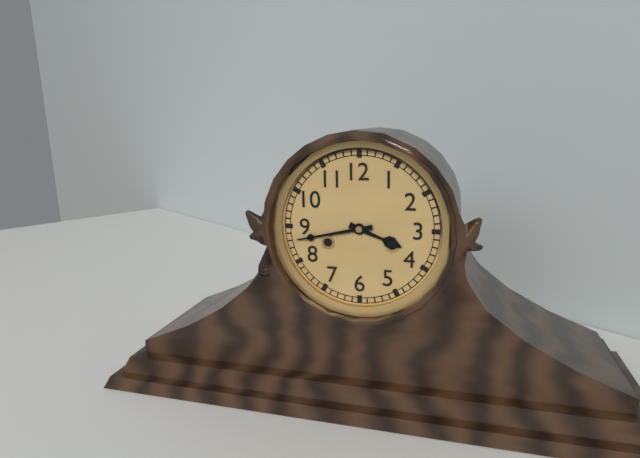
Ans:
h=3 m=43
